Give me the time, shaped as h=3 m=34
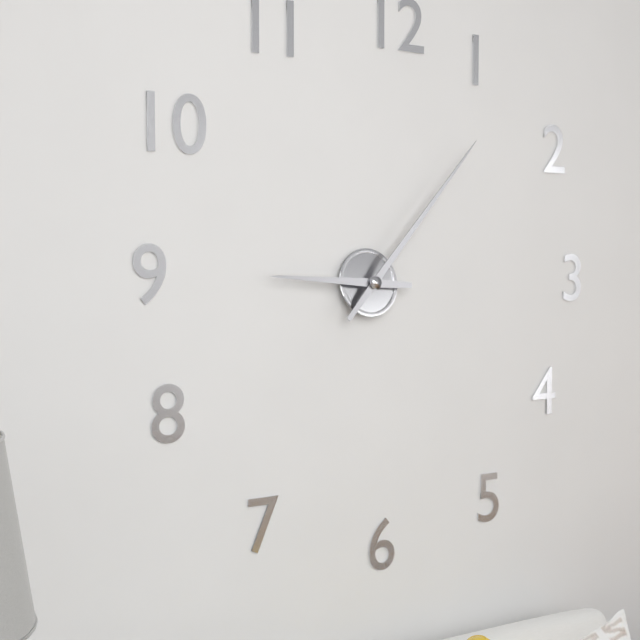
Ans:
h=9 m=7
